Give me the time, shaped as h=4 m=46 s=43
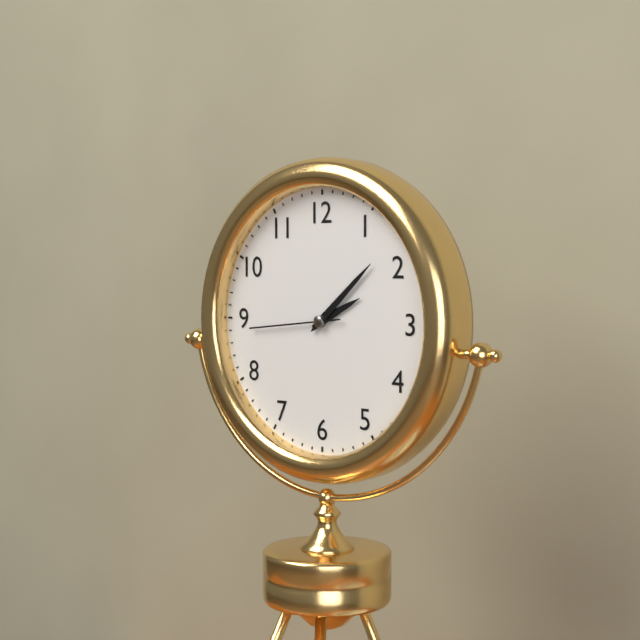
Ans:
h=2 m=8 s=44
